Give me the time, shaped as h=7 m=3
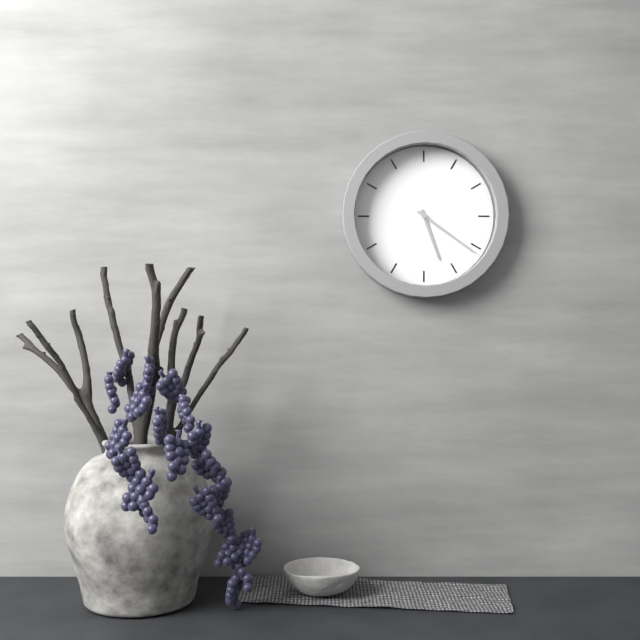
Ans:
h=5 m=21
